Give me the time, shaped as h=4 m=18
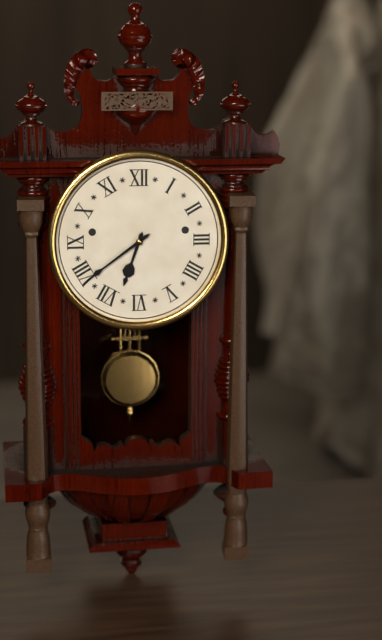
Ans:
h=6 m=39
